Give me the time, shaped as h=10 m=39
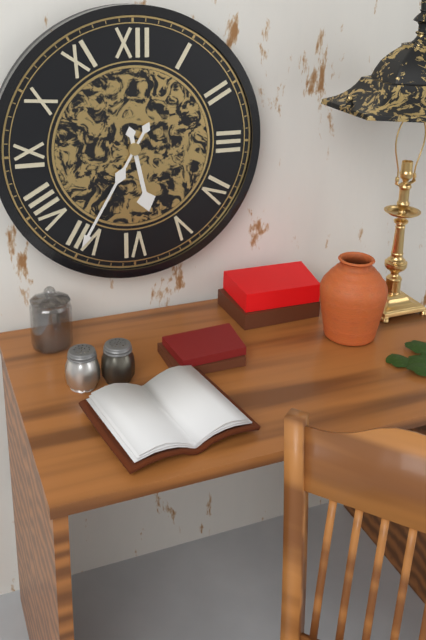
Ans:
h=5 m=35
